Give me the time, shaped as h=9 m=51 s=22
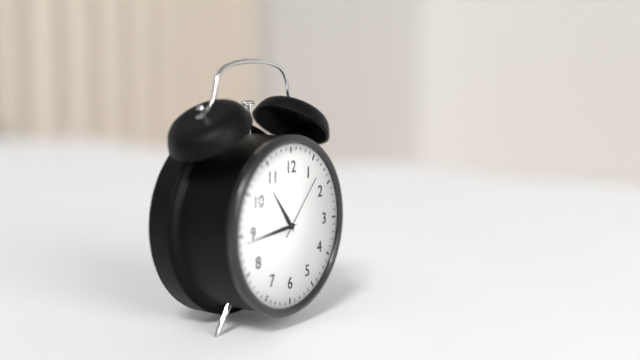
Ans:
h=10 m=44 s=7
